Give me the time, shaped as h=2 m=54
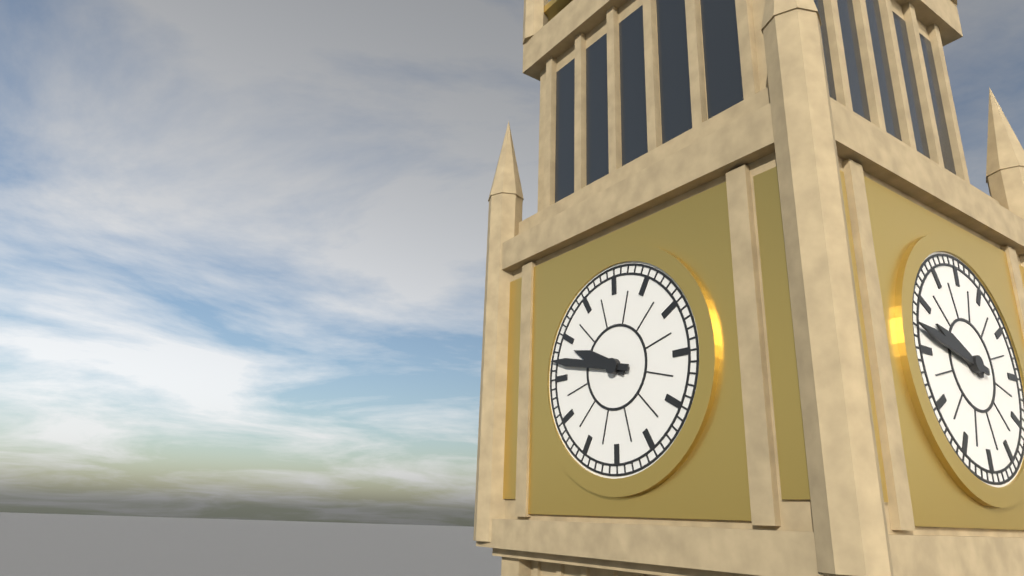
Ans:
h=9 m=47
